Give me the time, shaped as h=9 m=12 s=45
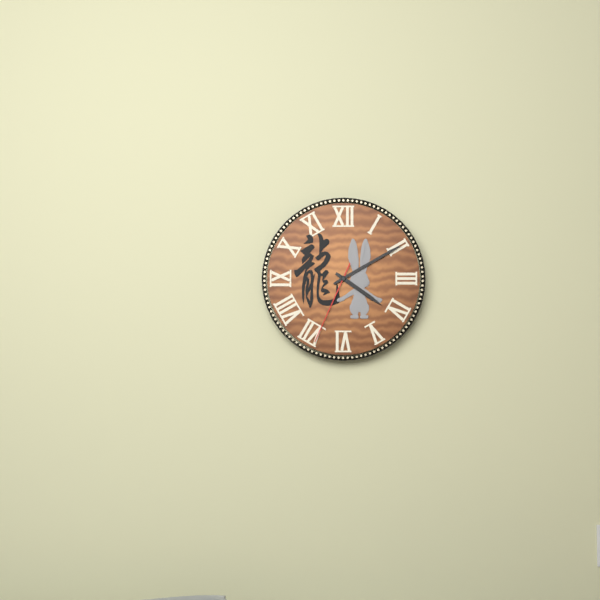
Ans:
h=4 m=10 s=34
